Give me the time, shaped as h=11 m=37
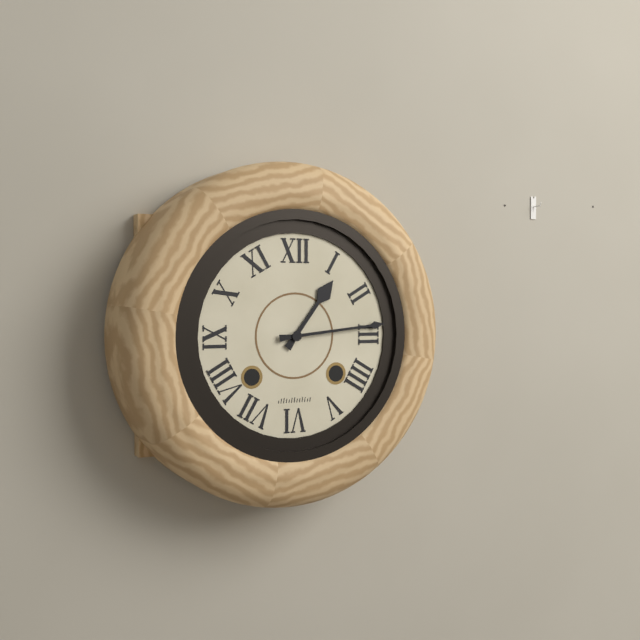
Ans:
h=1 m=14
